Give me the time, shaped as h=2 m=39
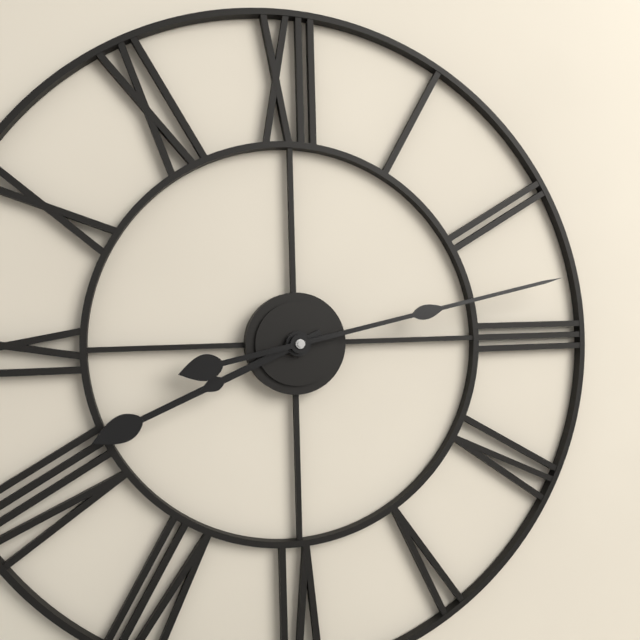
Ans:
h=8 m=13
